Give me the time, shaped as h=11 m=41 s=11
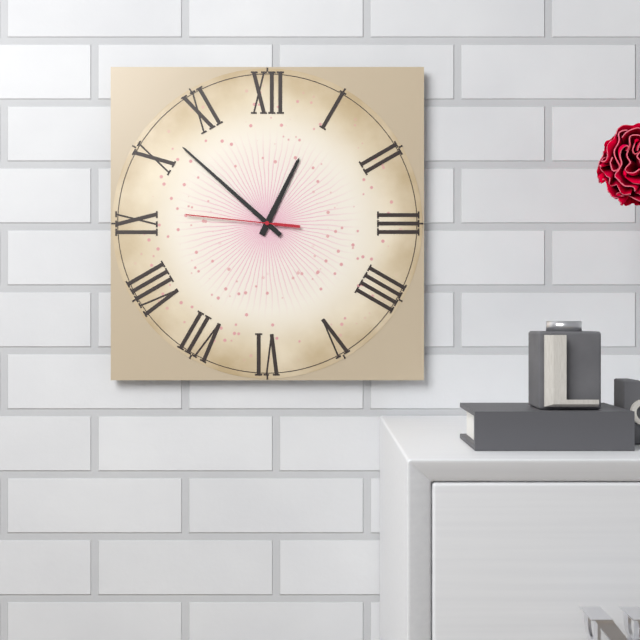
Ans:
h=12 m=52 s=46
